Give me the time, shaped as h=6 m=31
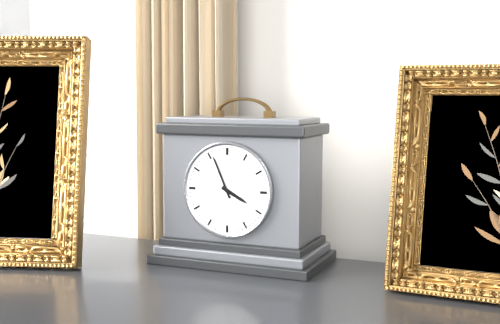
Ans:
h=3 m=56
